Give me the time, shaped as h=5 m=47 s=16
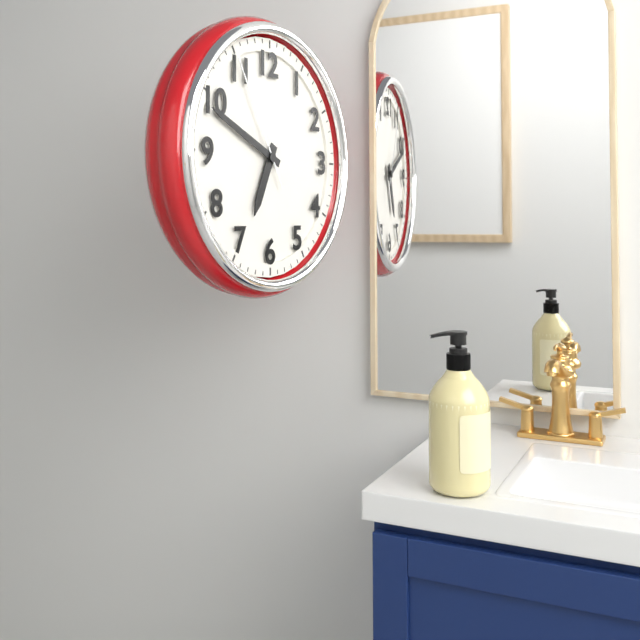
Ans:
h=6 m=49 s=55
